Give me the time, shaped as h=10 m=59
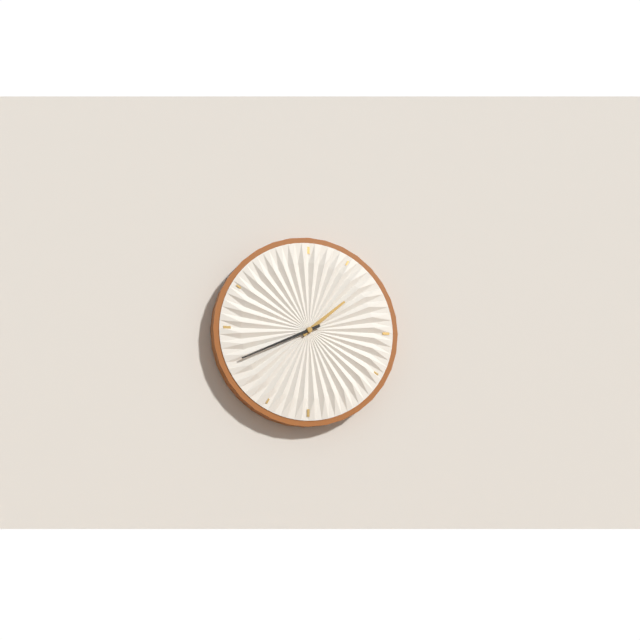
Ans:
h=1 m=41
